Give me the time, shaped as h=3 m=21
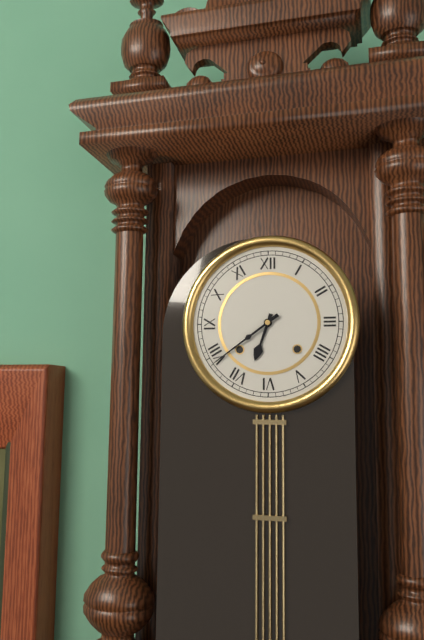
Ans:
h=6 m=39
